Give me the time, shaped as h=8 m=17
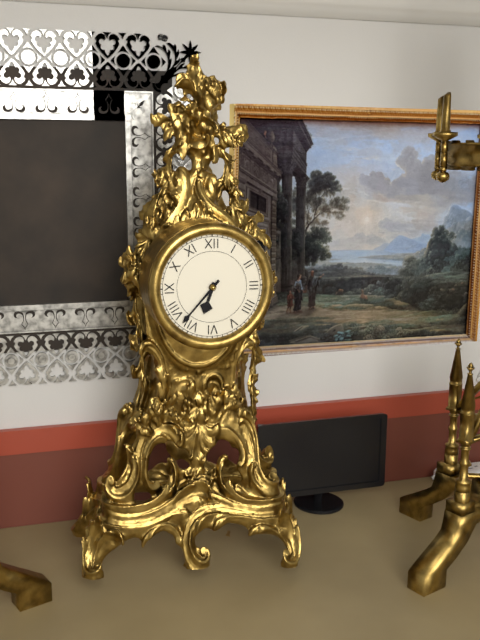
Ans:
h=6 m=37
